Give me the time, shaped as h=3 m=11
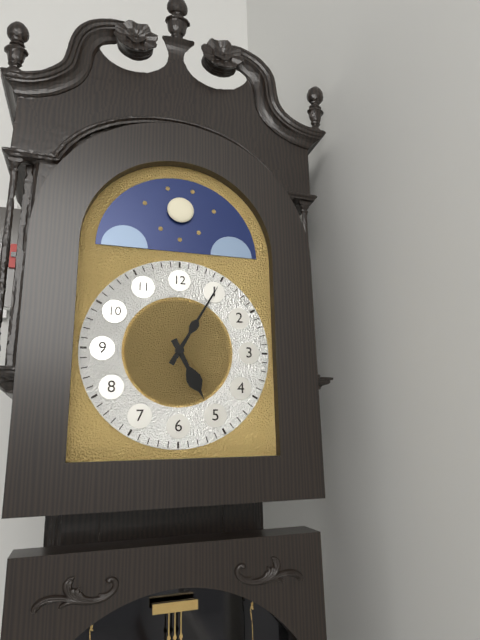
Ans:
h=5 m=5
